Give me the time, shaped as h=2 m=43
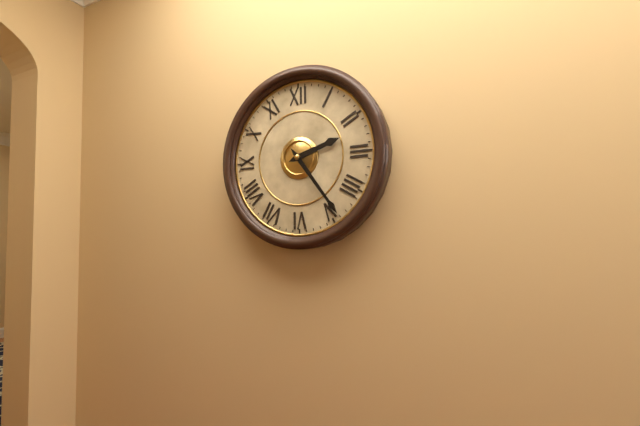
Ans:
h=2 m=24
